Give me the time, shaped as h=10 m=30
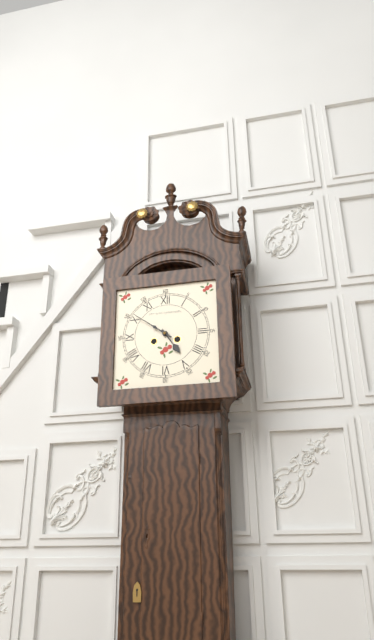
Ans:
h=4 m=51
